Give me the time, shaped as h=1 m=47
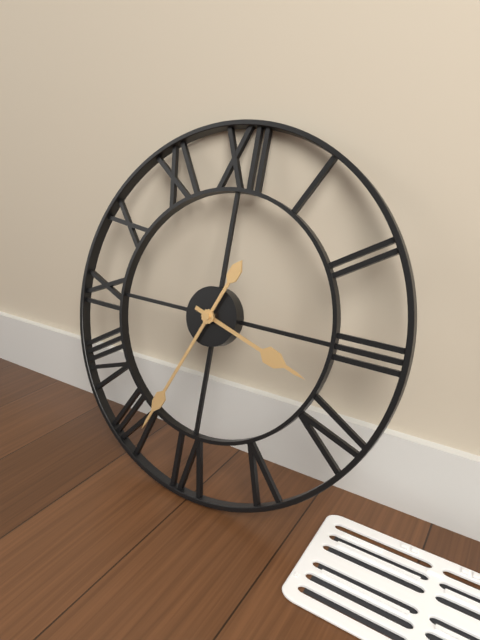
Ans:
h=3 m=34
